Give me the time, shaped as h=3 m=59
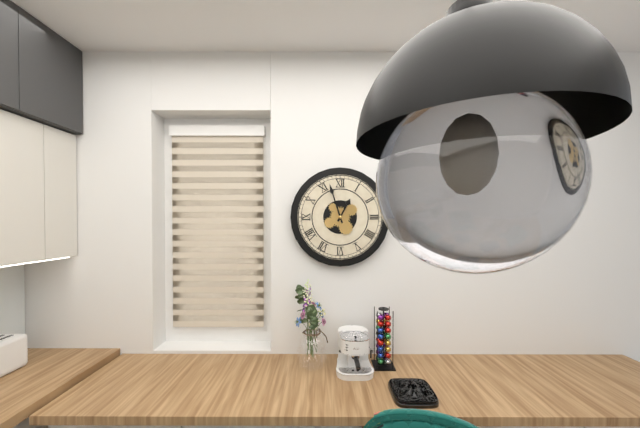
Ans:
h=12 m=57
